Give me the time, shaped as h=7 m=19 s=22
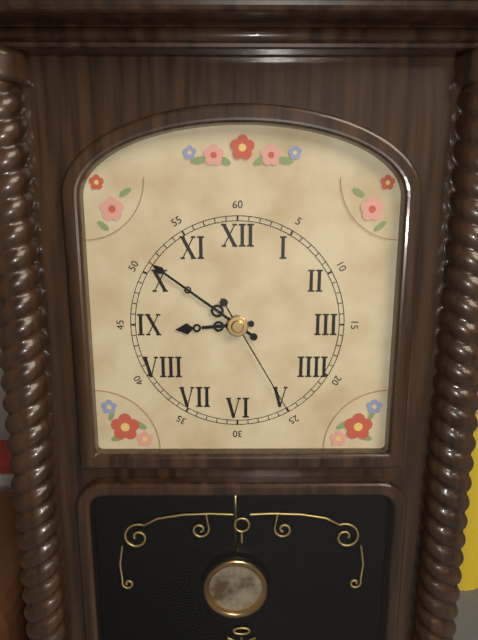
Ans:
h=8 m=51 s=25
